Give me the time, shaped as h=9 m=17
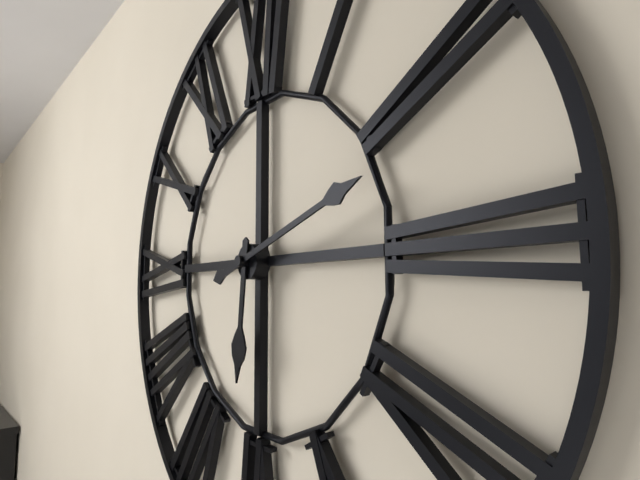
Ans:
h=6 m=12
